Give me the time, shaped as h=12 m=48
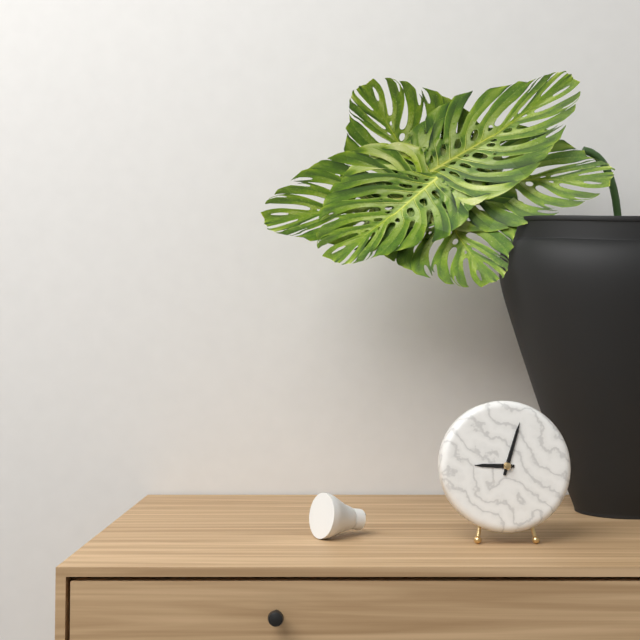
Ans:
h=9 m=3
